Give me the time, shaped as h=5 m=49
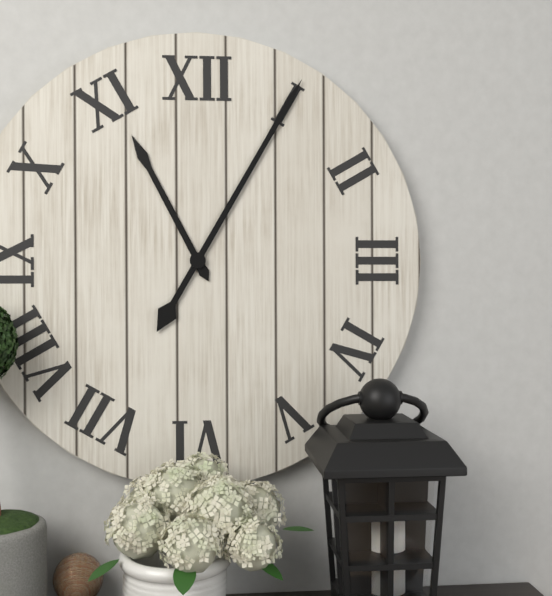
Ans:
h=11 m=5
